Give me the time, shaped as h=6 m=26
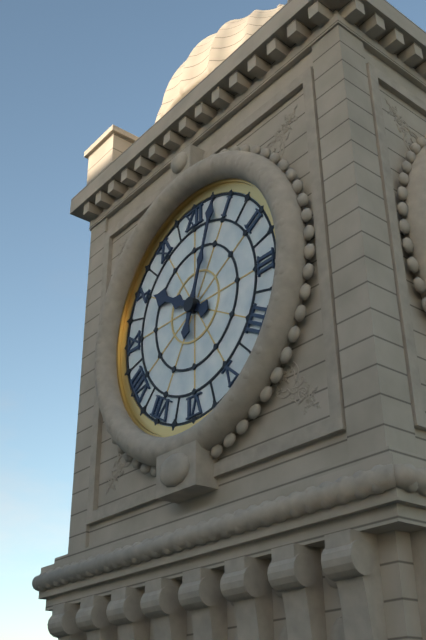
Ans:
h=10 m=3
